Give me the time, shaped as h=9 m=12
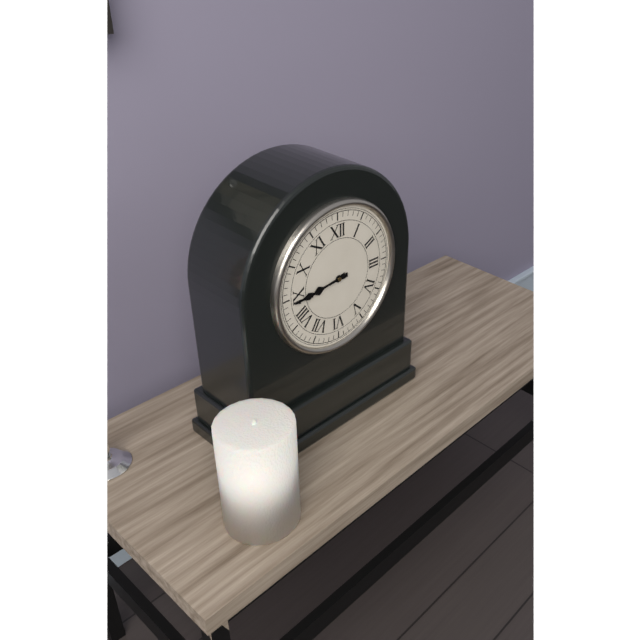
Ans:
h=8 m=44
